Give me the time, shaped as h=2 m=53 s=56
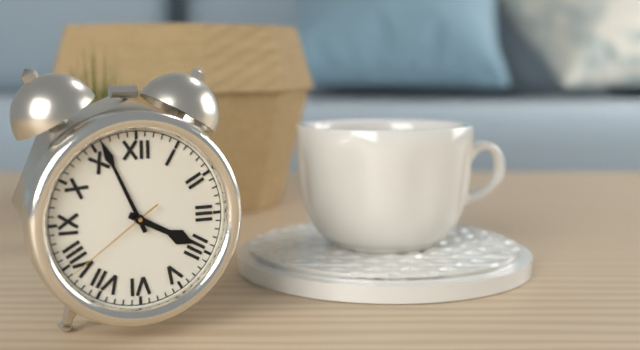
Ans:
h=3 m=56 s=39
